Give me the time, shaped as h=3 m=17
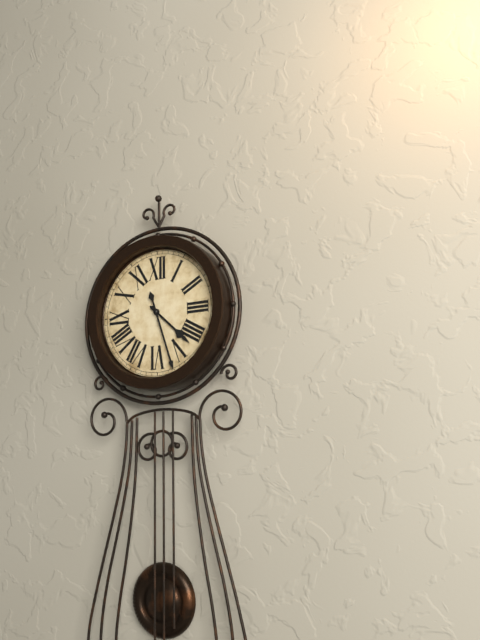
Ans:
h=4 m=27
